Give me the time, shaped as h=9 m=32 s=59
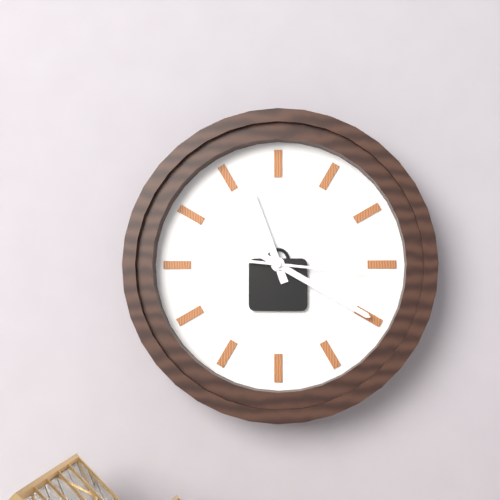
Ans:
h=11 m=20 s=16
